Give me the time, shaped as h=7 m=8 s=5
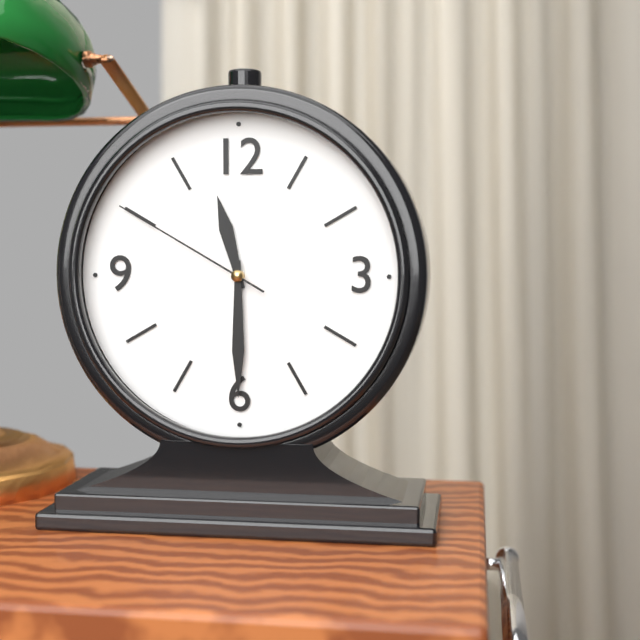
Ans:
h=11 m=30 s=50
